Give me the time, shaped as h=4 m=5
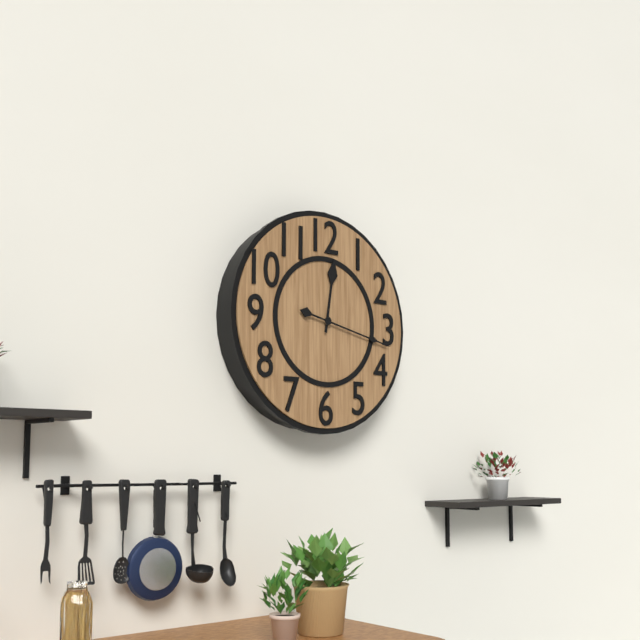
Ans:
h=12 m=17
